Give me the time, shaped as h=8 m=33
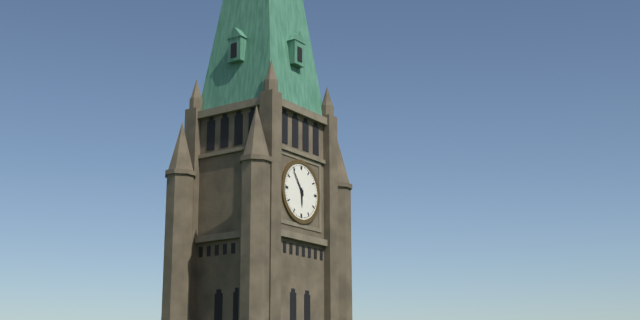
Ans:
h=5 m=54
